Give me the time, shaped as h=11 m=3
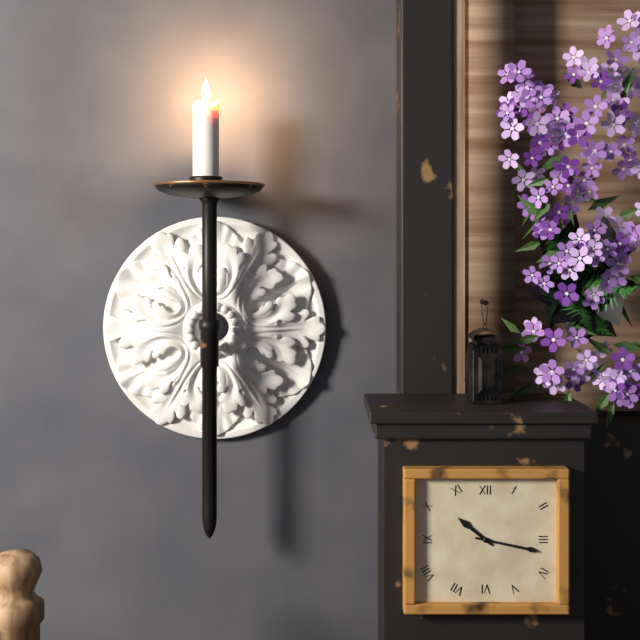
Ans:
h=10 m=17
